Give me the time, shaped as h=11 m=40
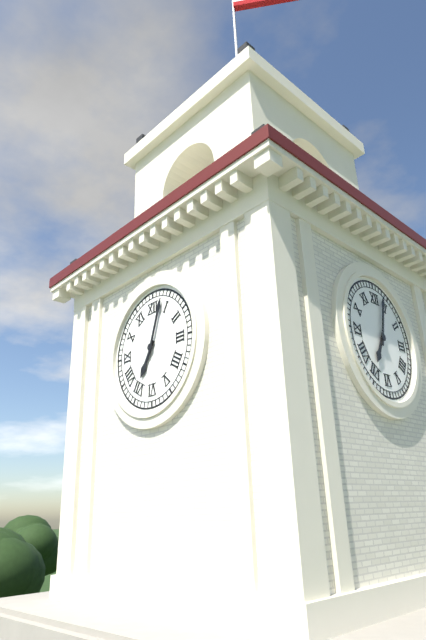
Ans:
h=7 m=3
